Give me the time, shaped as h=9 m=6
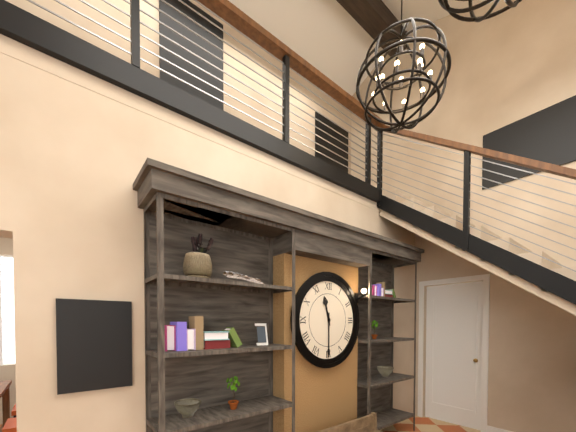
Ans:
h=11 m=30
